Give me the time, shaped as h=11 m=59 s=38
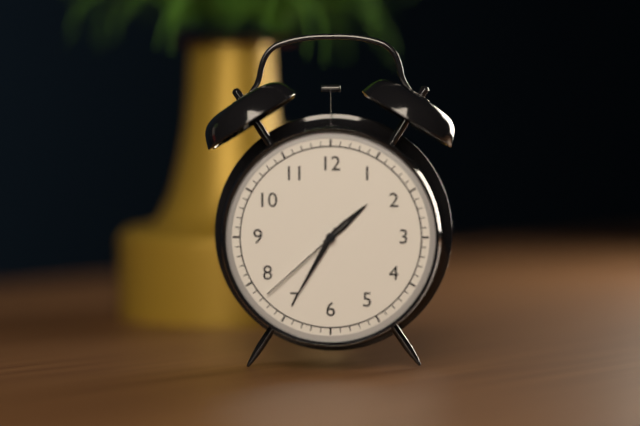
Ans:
h=1 m=35 s=38
